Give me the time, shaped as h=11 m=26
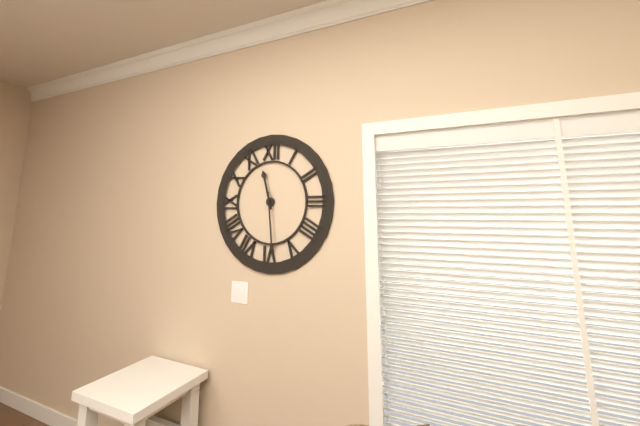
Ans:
h=11 m=29
